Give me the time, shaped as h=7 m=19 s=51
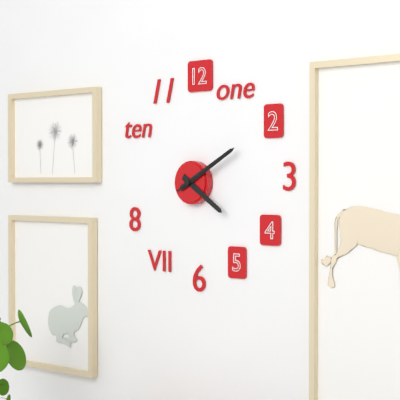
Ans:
h=4 m=10 s=10
